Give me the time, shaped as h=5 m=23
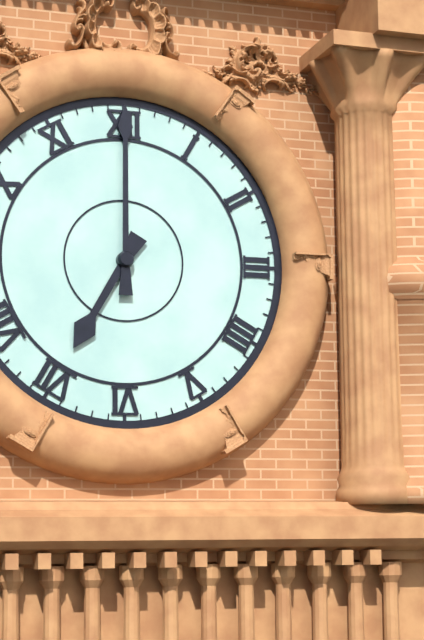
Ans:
h=7 m=0
